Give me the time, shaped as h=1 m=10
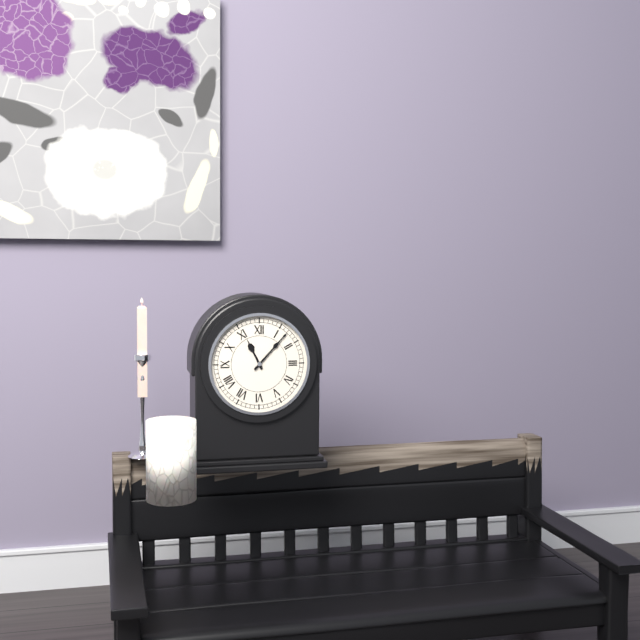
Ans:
h=11 m=7
